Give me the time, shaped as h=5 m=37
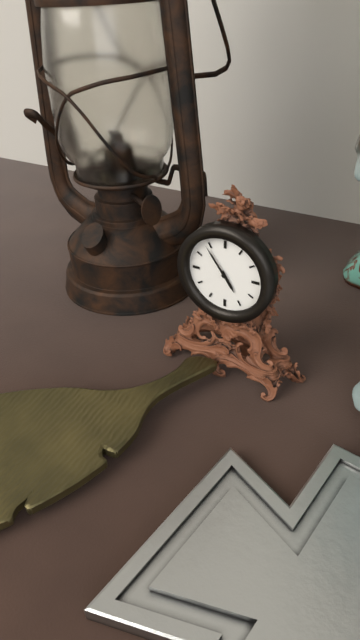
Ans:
h=4 m=54
